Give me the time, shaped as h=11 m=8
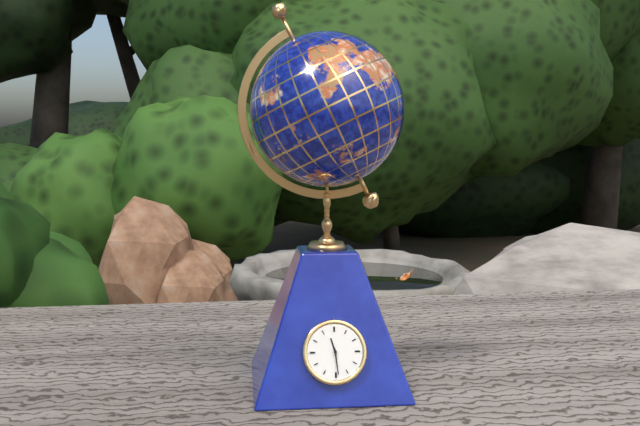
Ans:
h=11 m=29
